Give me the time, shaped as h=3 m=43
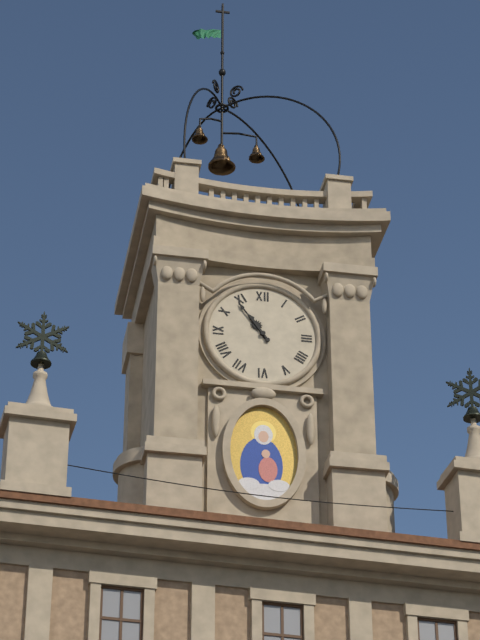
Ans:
h=10 m=54
